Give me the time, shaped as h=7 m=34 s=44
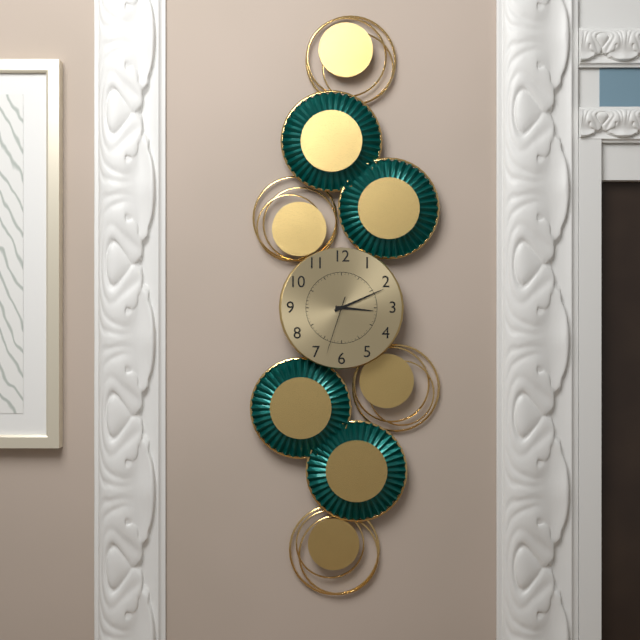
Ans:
h=3 m=11 s=33
